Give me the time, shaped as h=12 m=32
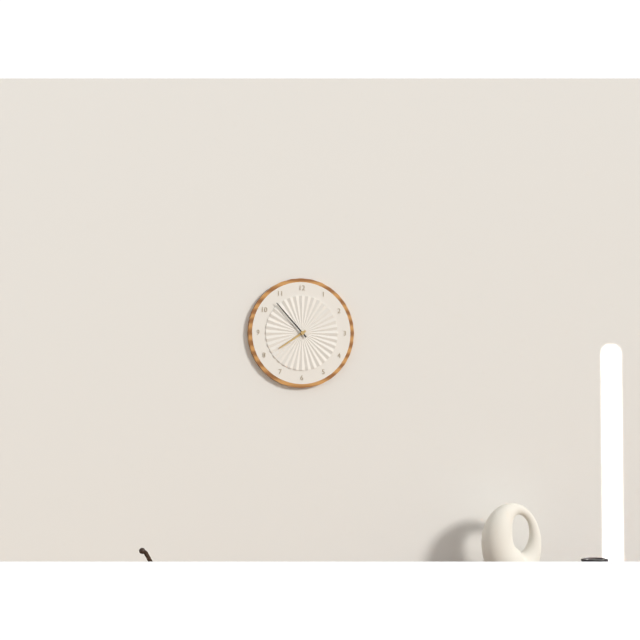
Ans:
h=7 m=53
